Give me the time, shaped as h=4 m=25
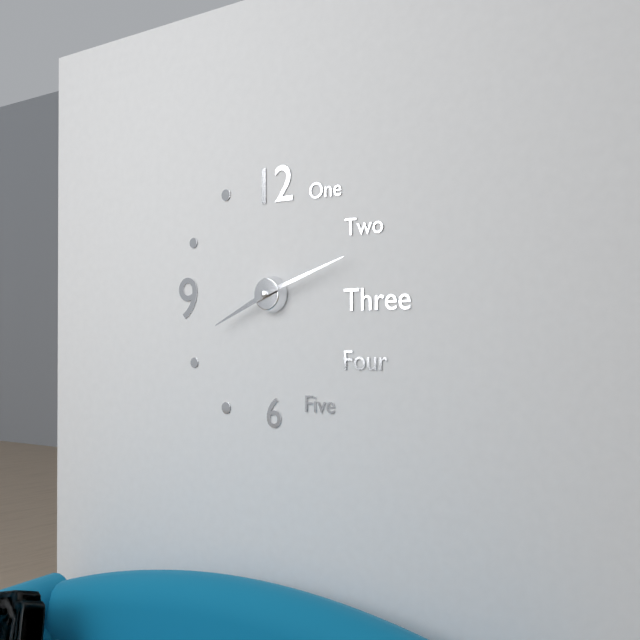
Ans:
h=8 m=12
